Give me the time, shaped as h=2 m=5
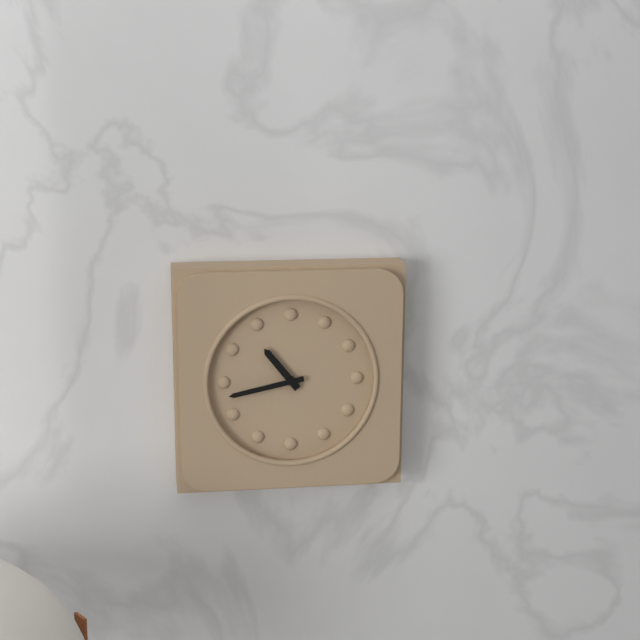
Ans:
h=10 m=43
